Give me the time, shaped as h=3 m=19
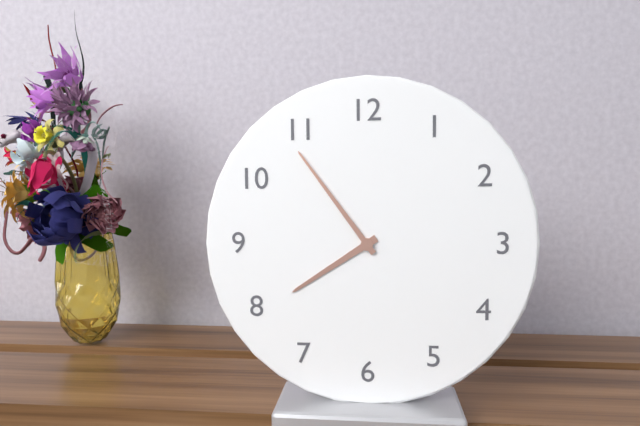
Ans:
h=7 m=54
